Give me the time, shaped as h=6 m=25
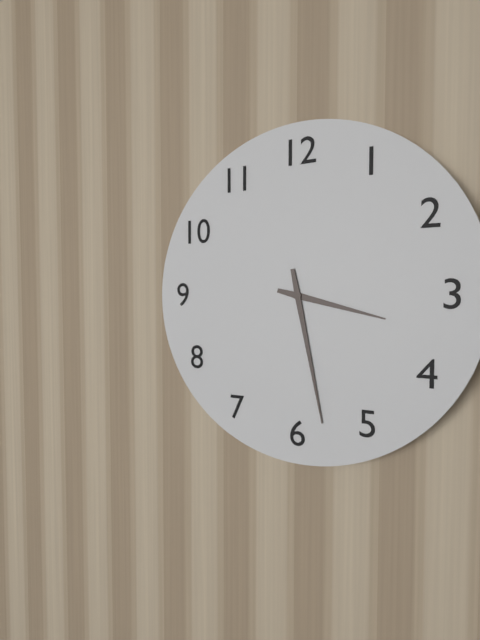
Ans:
h=3 m=28
